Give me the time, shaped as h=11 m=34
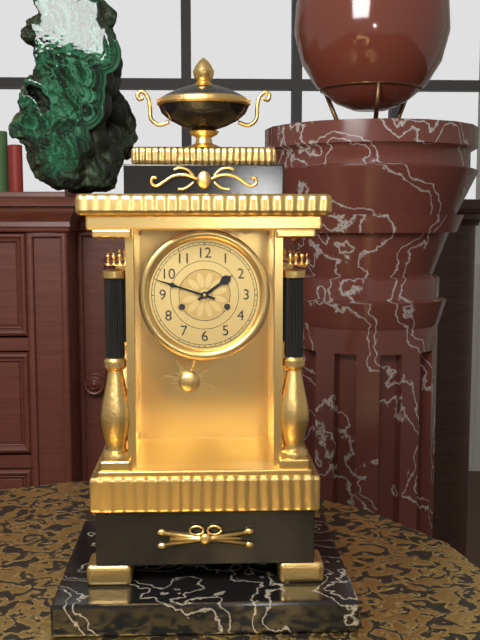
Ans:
h=1 m=48
